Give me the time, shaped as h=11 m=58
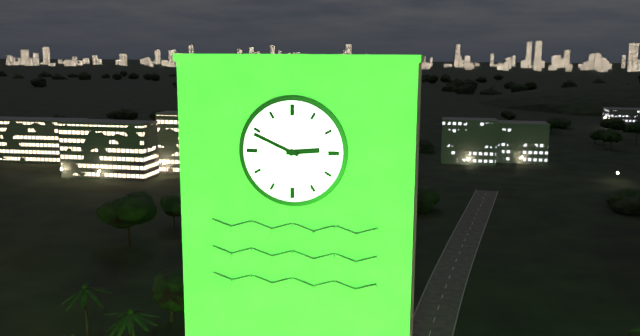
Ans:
h=2 m=49
